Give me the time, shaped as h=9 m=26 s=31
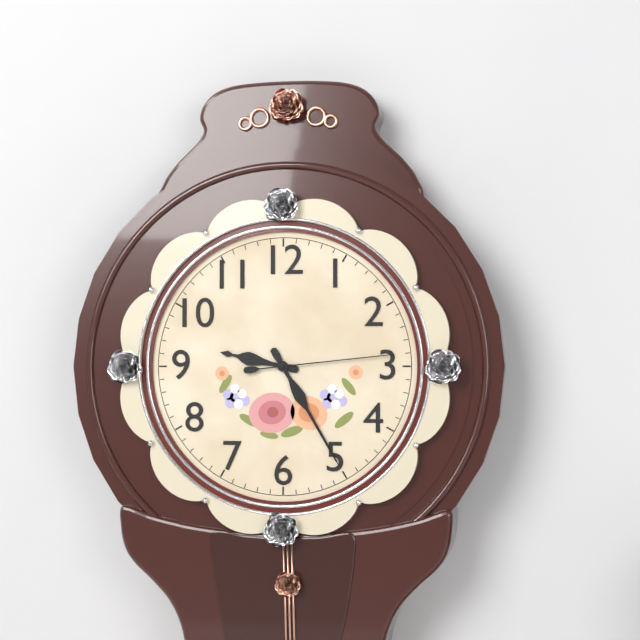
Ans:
h=9 m=25 s=14
